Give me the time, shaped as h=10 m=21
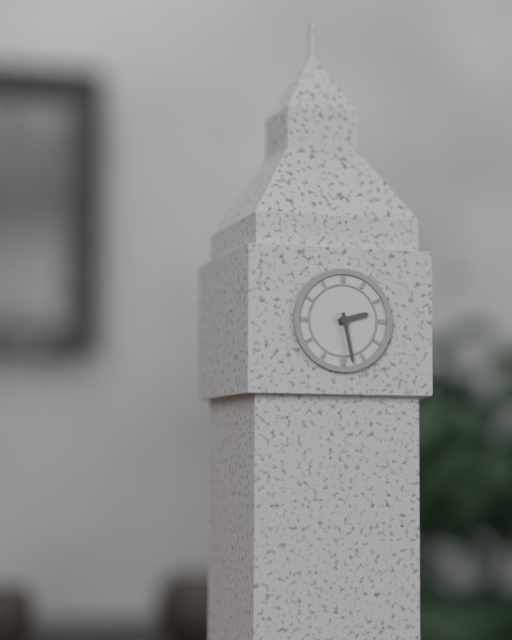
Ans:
h=2 m=28
